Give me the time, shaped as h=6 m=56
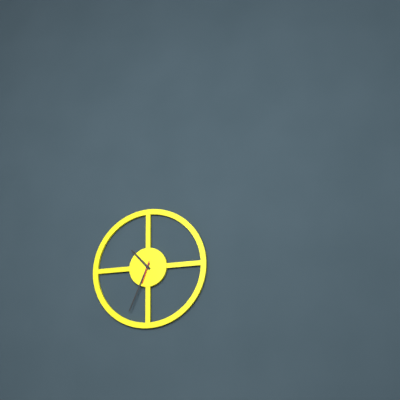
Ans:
h=10 m=34
